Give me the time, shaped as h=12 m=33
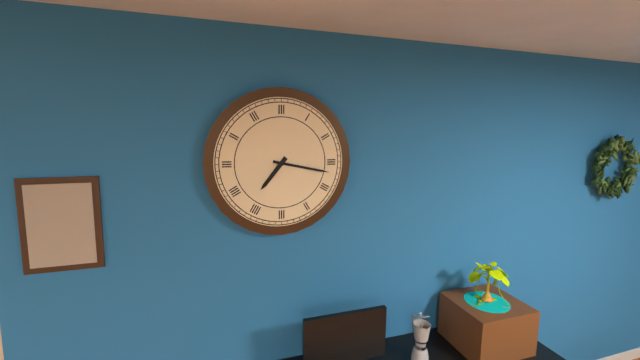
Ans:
h=7 m=17
